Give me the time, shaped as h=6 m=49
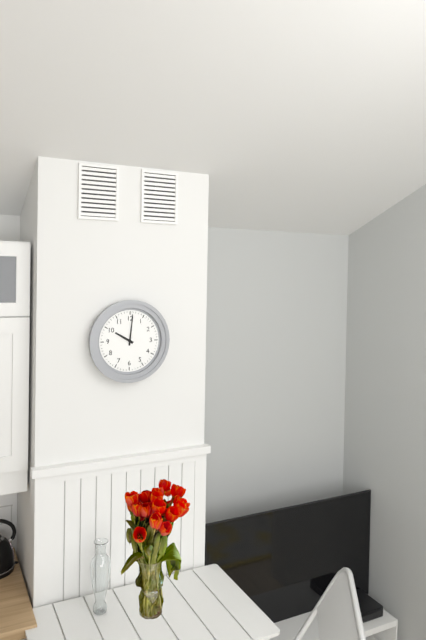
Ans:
h=10 m=1
